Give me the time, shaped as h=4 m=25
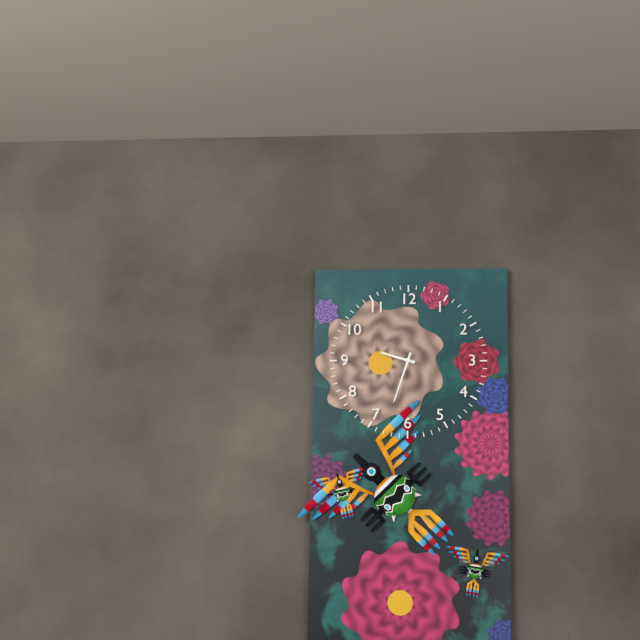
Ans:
h=9 m=33
